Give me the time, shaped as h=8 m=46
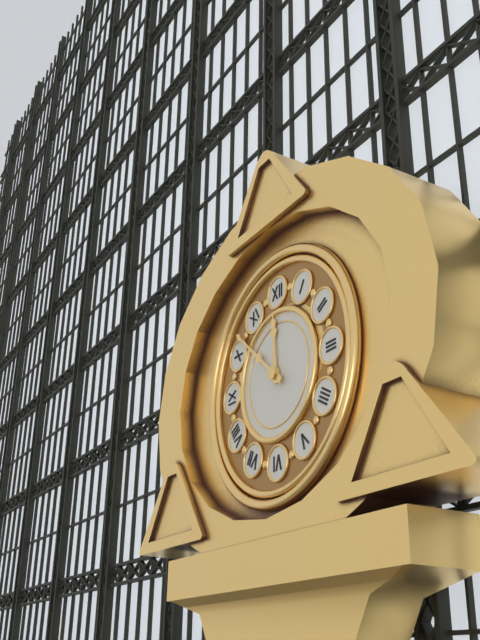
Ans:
h=11 m=52
